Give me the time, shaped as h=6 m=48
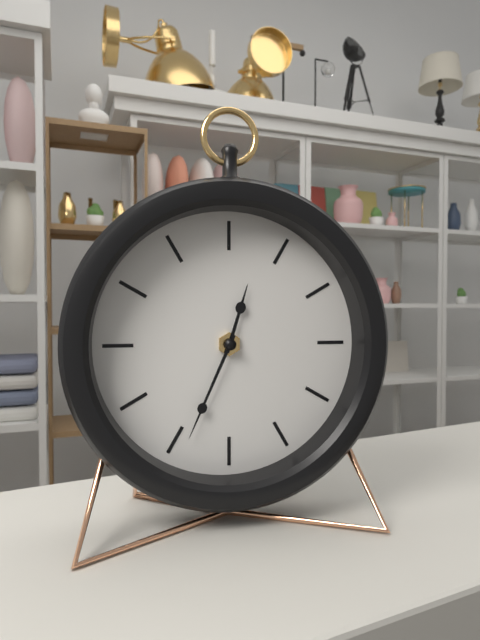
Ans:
h=12 m=34
